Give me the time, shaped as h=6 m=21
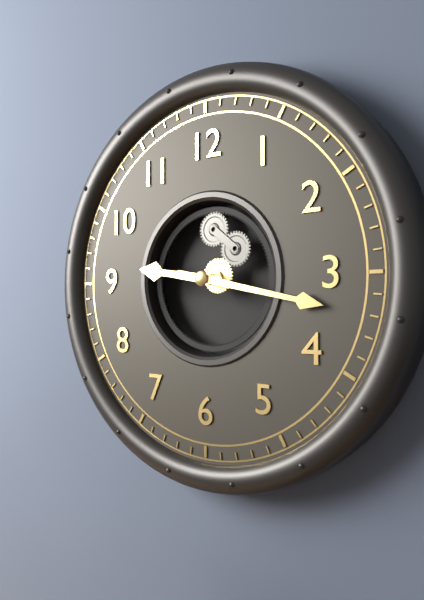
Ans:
h=9 m=17
